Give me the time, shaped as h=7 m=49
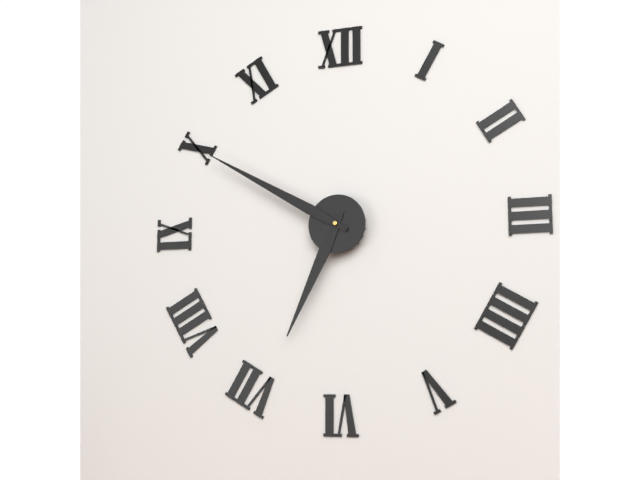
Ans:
h=6 m=50
